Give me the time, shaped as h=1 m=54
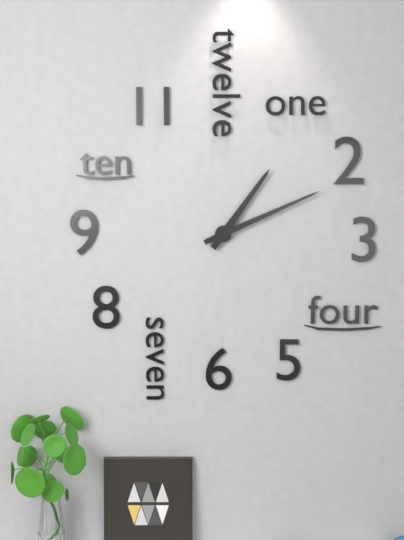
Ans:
h=1 m=11
